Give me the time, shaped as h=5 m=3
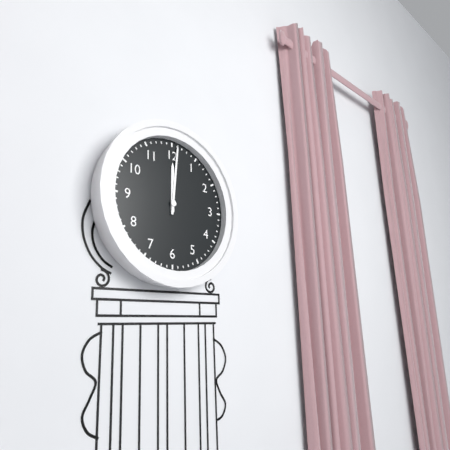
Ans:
h=12 m=1
